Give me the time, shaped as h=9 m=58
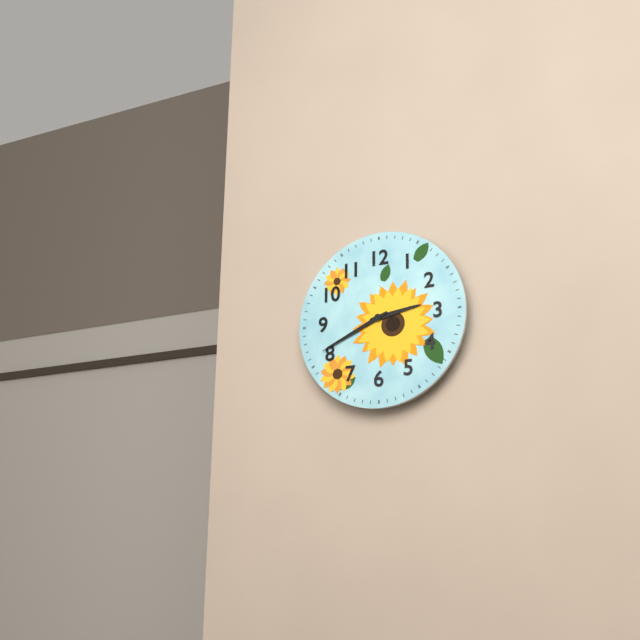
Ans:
h=2 m=41
